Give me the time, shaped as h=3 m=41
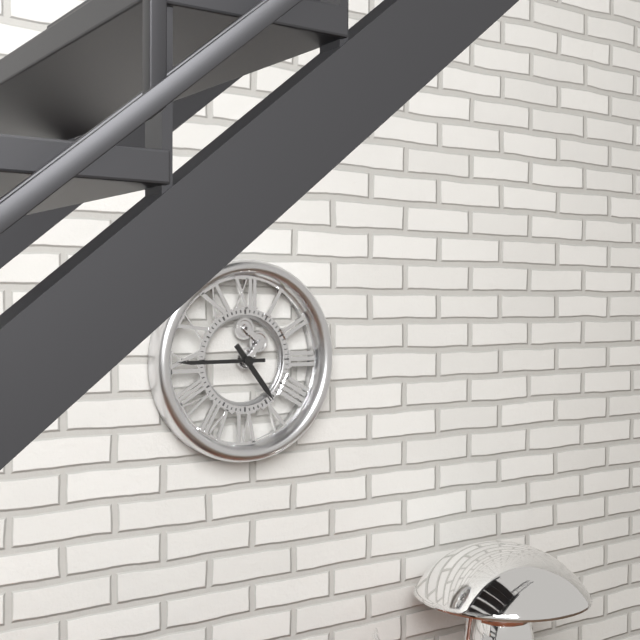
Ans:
h=4 m=45
